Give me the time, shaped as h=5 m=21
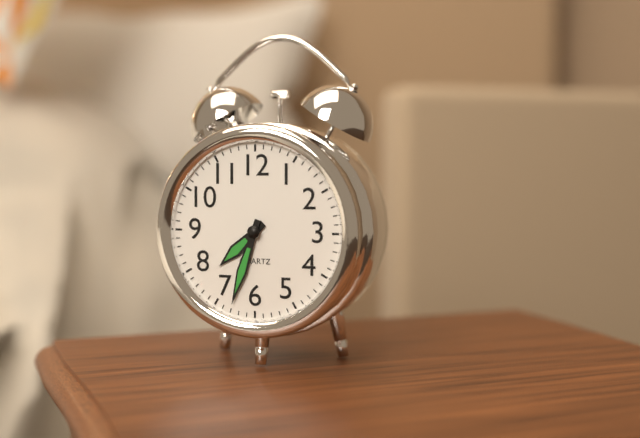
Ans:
h=7 m=33
